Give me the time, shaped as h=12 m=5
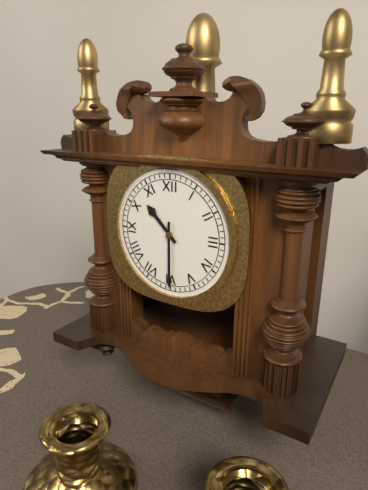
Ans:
h=10 m=30
